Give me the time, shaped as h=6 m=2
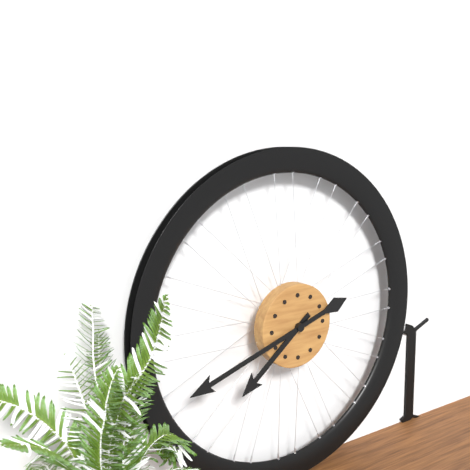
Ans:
h=7 m=42
